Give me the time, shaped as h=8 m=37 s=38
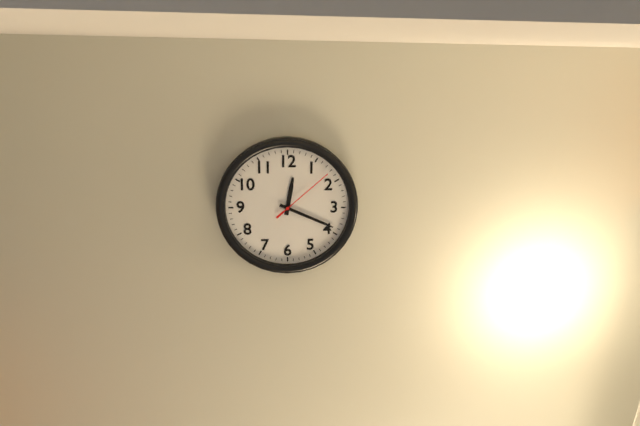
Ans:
h=12 m=19 s=8
